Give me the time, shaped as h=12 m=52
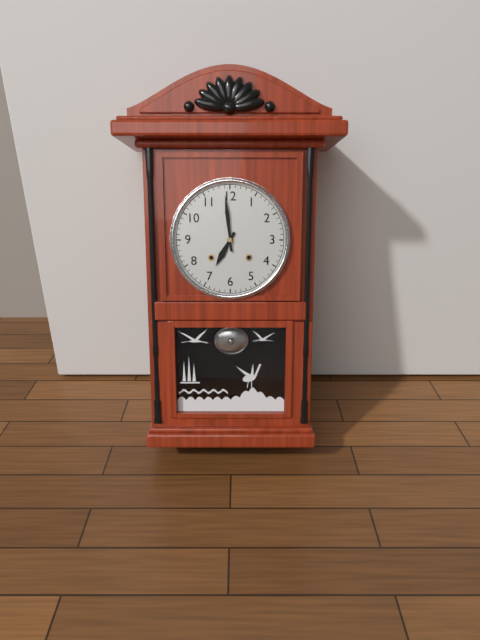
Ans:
h=6 m=59
